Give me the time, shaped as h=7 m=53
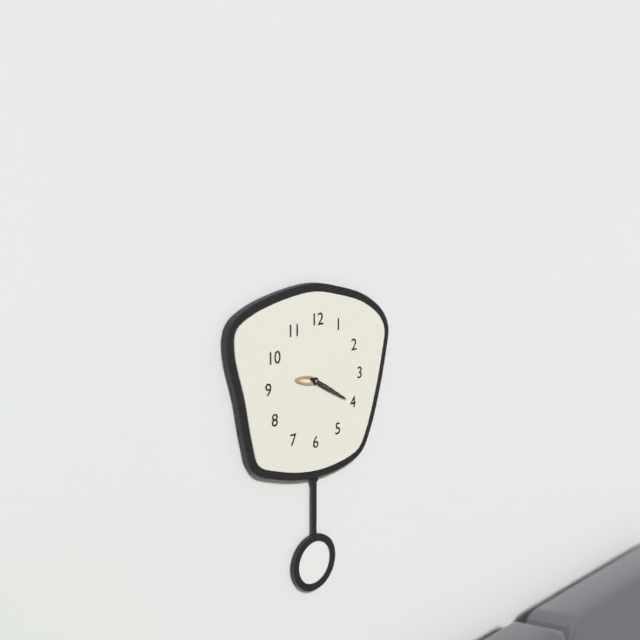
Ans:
h=9 m=20
